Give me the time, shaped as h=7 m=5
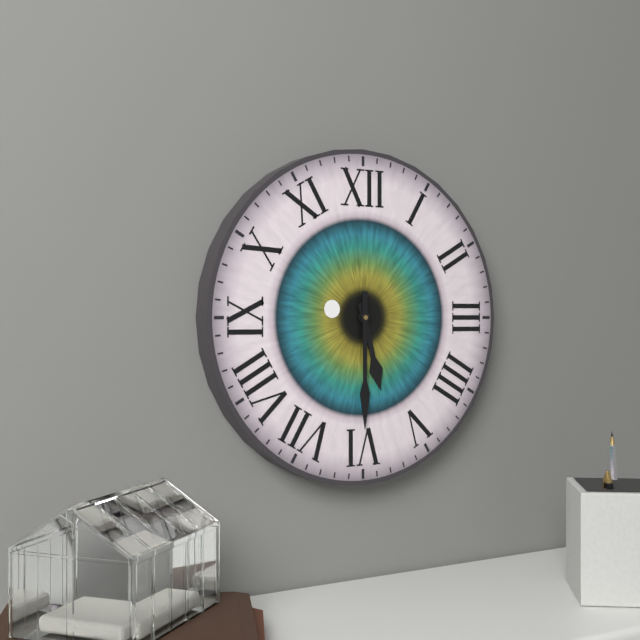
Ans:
h=5 m=30
